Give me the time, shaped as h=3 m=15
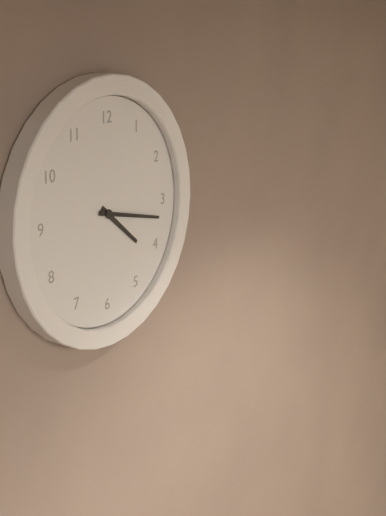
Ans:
h=4 m=17
